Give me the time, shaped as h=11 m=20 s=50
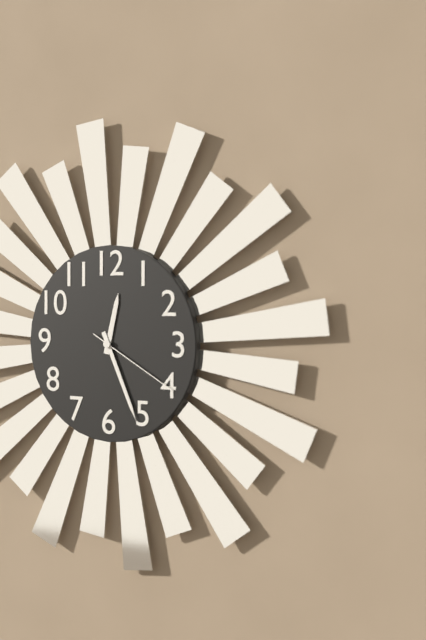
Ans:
h=12 m=26 s=20
